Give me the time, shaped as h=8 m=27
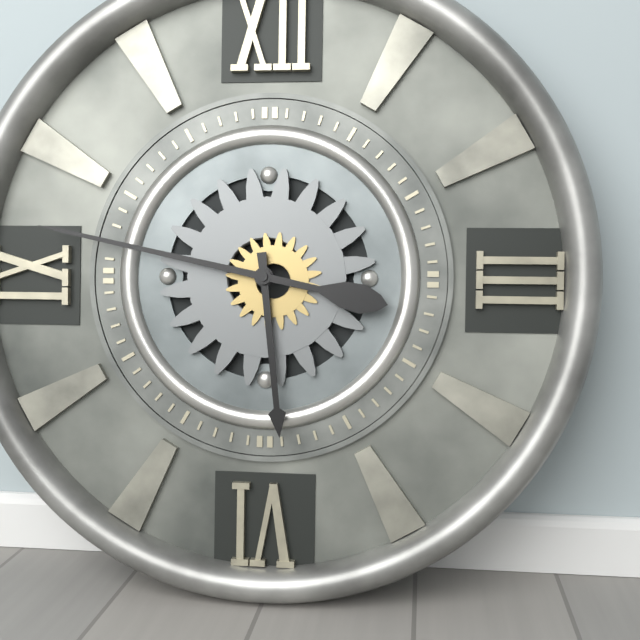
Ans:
h=5 m=47
